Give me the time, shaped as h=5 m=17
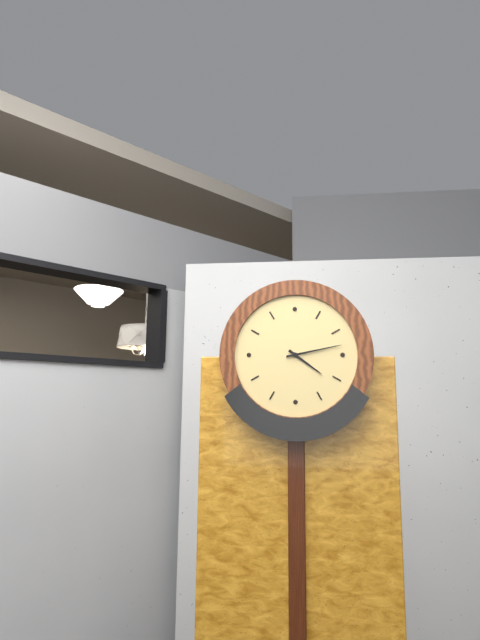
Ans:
h=4 m=13
